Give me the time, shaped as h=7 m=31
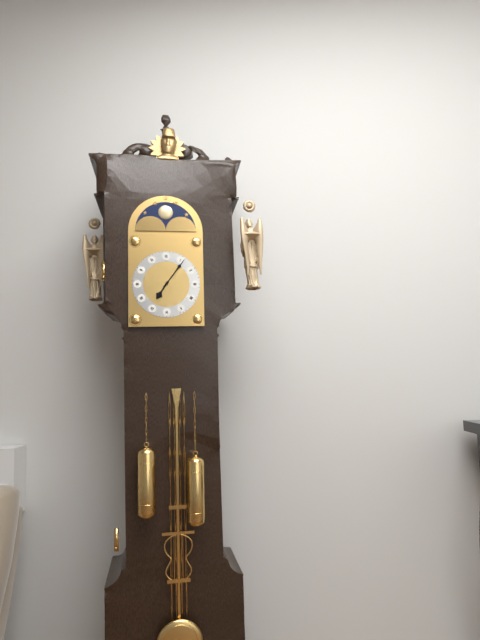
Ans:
h=7 m=6
